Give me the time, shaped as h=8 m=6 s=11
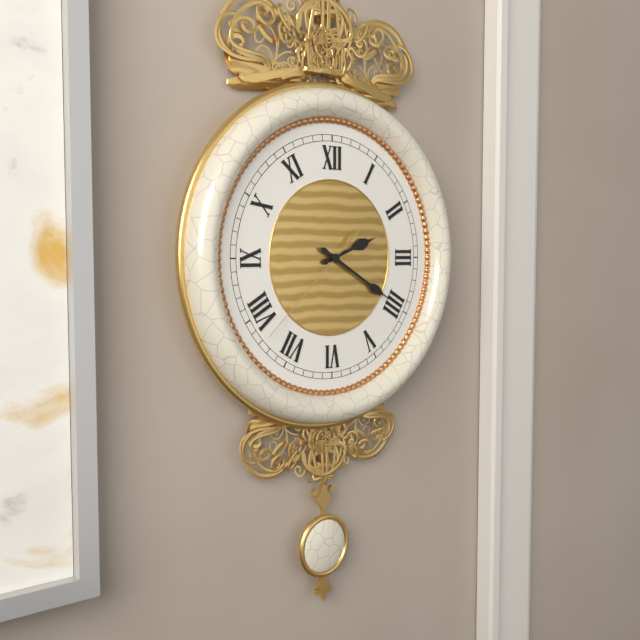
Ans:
h=2 m=20 s=38
